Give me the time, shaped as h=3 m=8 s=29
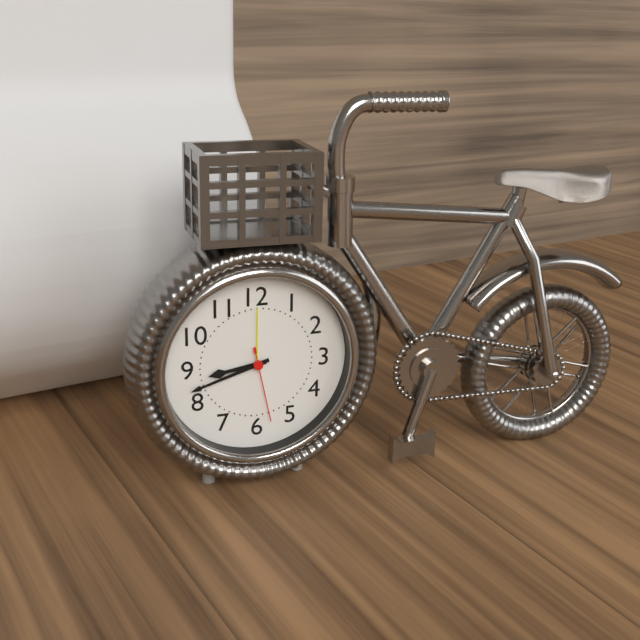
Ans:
h=8 m=42 s=28
